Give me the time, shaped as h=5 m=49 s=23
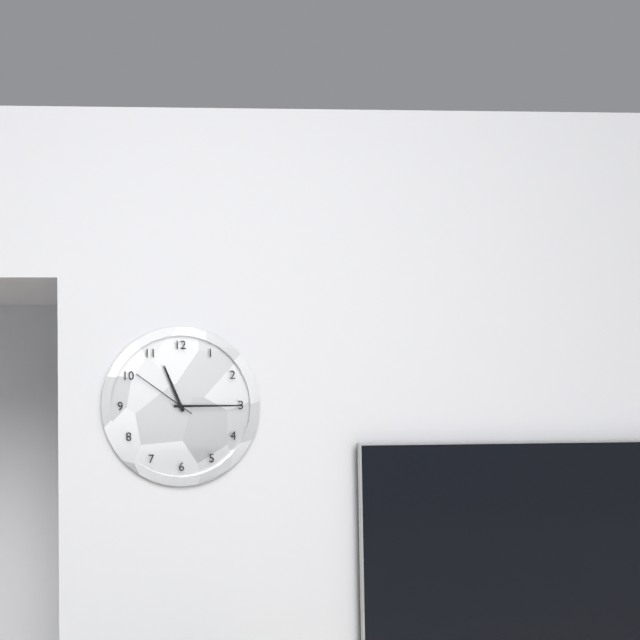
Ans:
h=11 m=15 s=51
